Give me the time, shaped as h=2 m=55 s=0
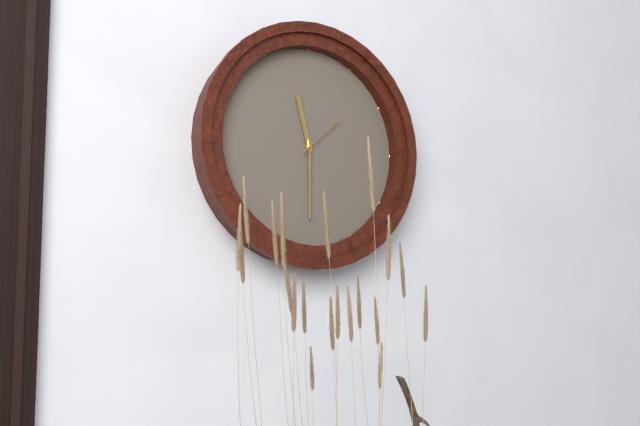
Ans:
h=11 m=30 s=8
